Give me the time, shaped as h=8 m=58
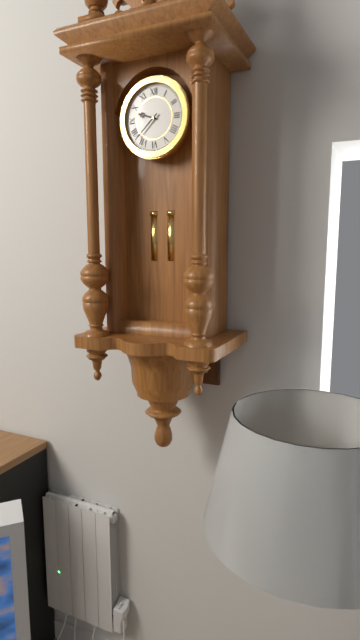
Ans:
h=9 m=38
